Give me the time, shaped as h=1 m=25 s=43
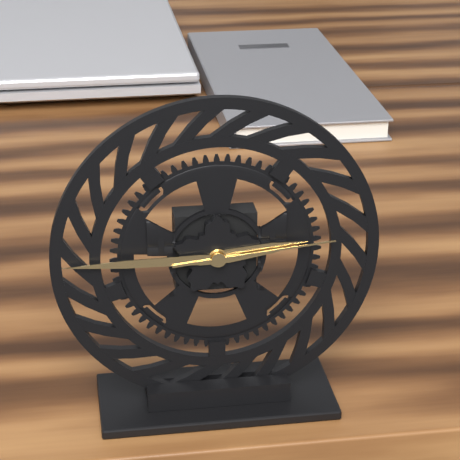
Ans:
h=2 m=45 s=14
